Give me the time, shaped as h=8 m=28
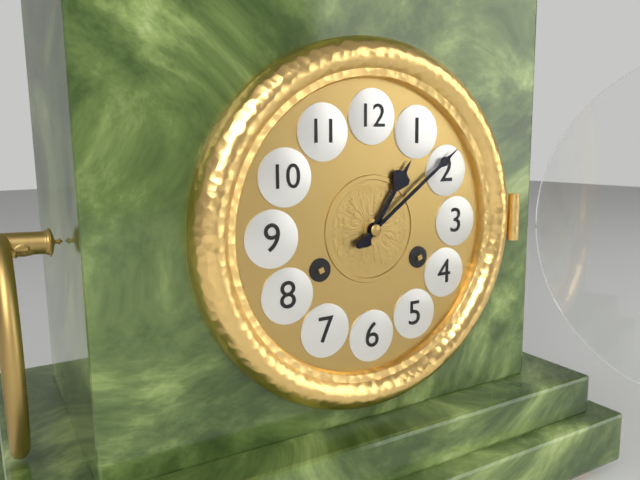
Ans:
h=1 m=9
